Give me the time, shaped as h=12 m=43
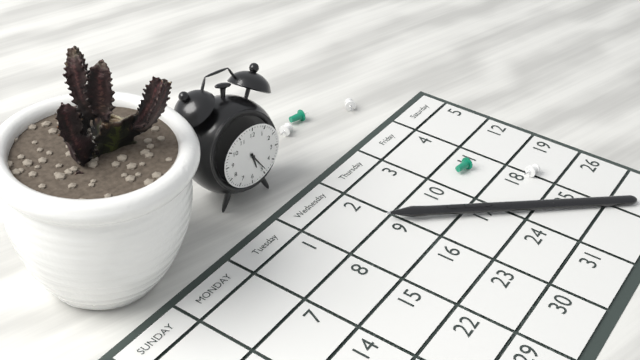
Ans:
h=5 m=24
